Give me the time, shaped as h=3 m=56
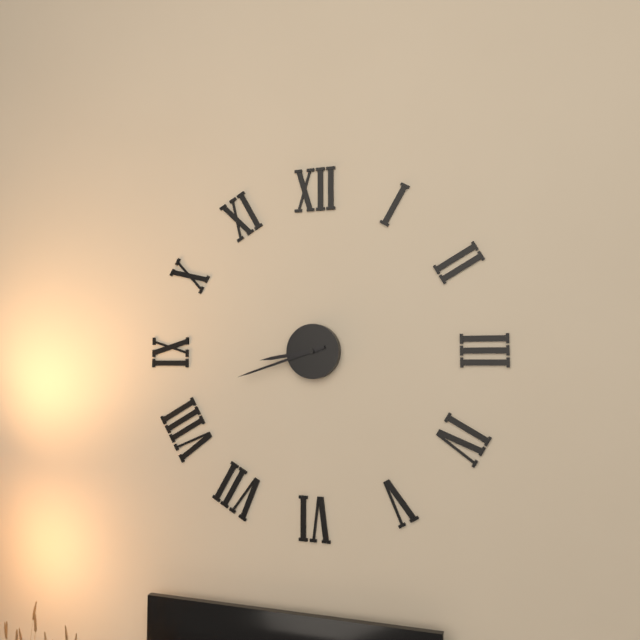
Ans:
h=8 m=42
